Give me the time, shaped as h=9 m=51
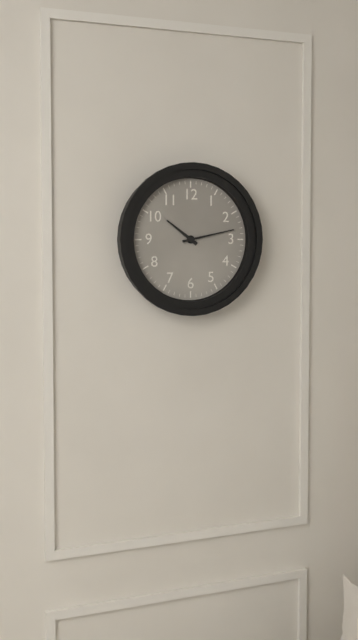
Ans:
h=10 m=13
